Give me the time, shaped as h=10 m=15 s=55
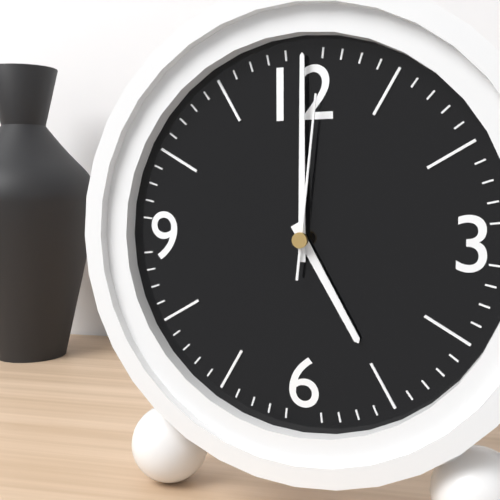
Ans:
h=5 m=0 s=1
